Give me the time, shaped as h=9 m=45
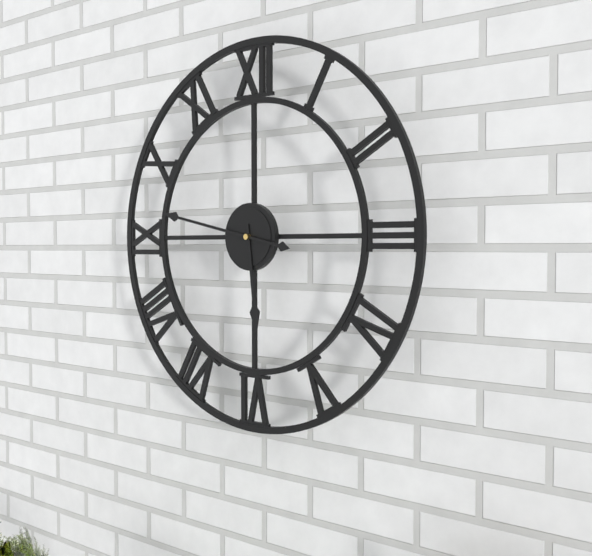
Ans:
h=5 m=47
